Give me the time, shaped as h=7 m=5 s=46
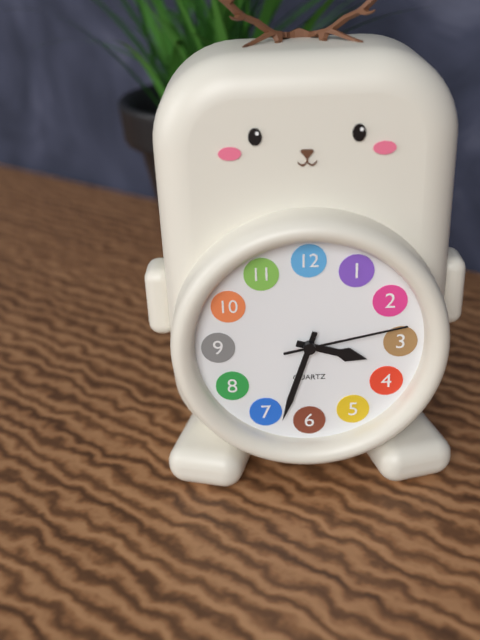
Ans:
h=3 m=33 s=13
